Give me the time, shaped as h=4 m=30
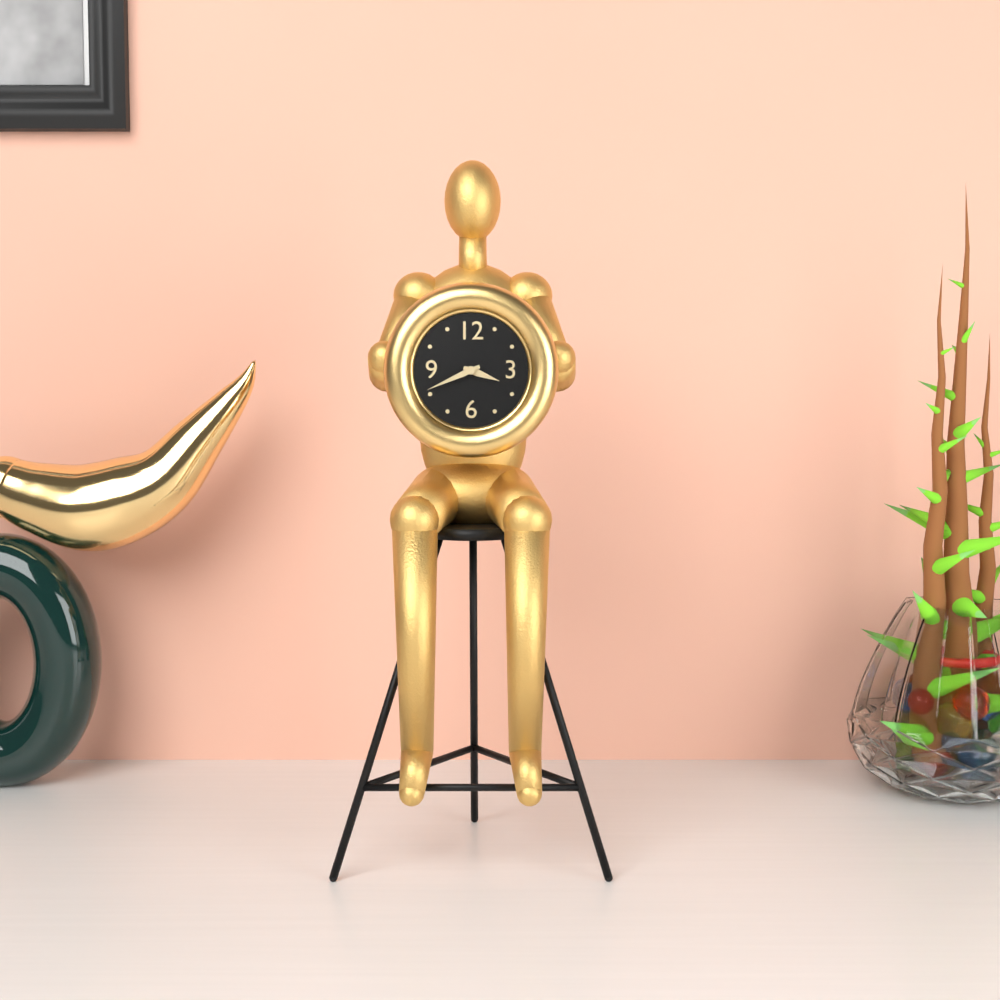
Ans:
h=3 m=41
